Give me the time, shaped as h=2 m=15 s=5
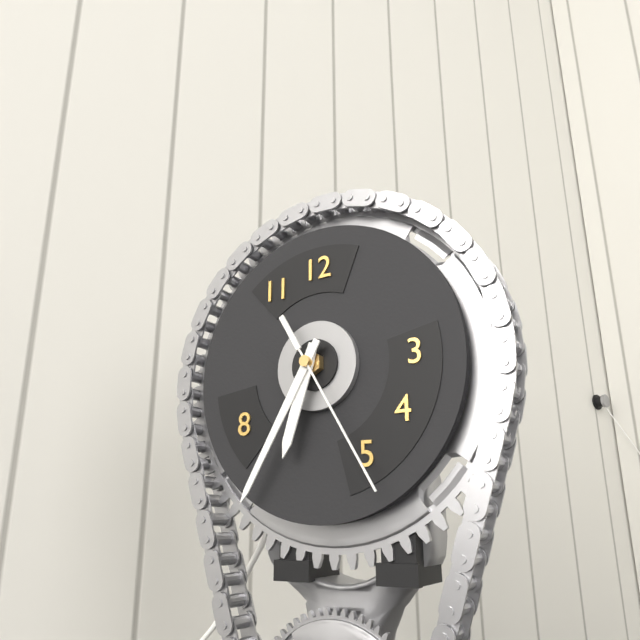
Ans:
h=6 m=35 s=25
